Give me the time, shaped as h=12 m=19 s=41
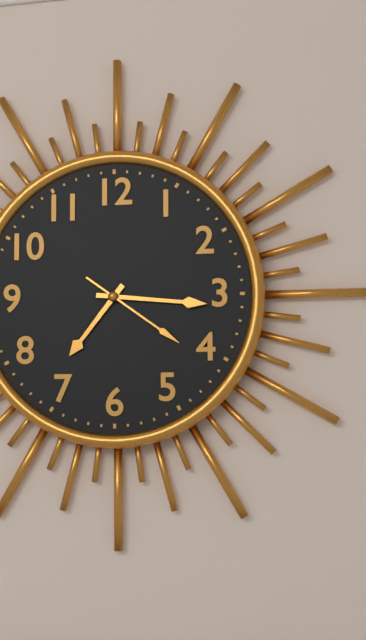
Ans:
h=7 m=16 s=21
